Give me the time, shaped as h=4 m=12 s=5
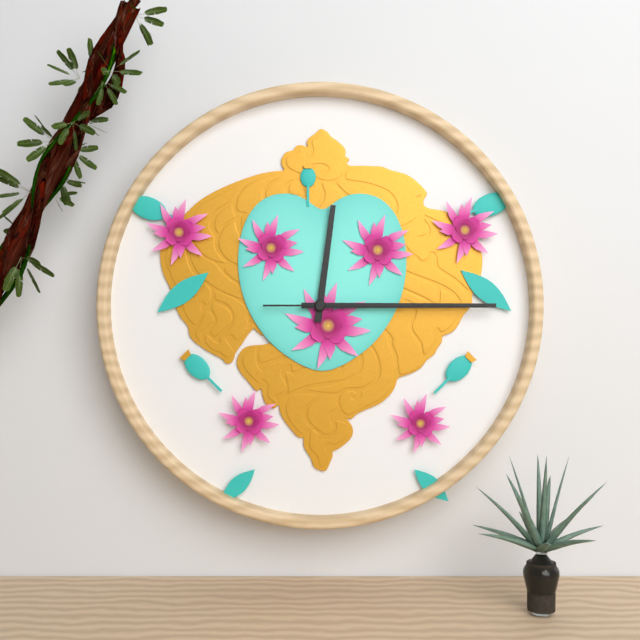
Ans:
h=12 m=15 s=15
